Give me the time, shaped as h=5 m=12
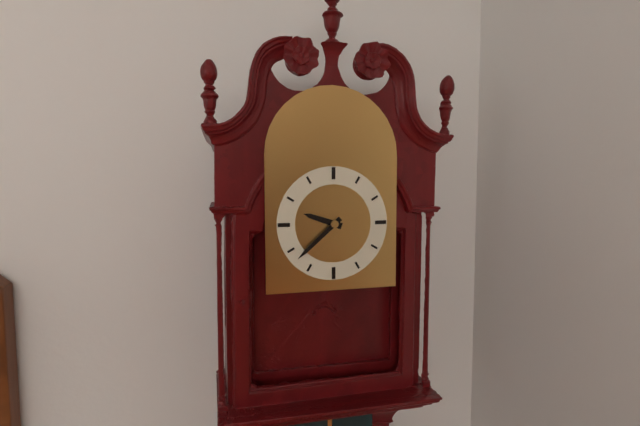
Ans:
h=9 m=38
